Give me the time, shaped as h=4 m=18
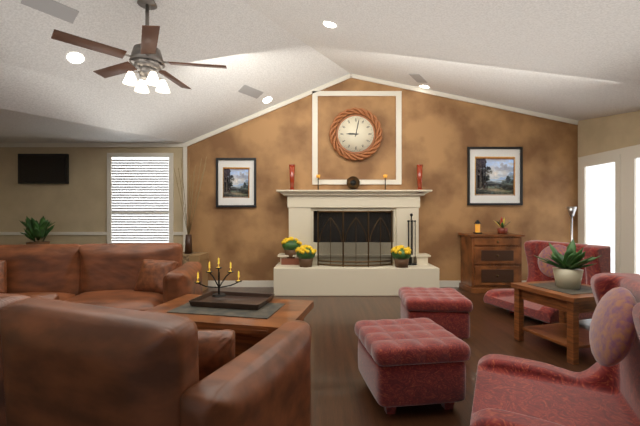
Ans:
h=9 m=2
